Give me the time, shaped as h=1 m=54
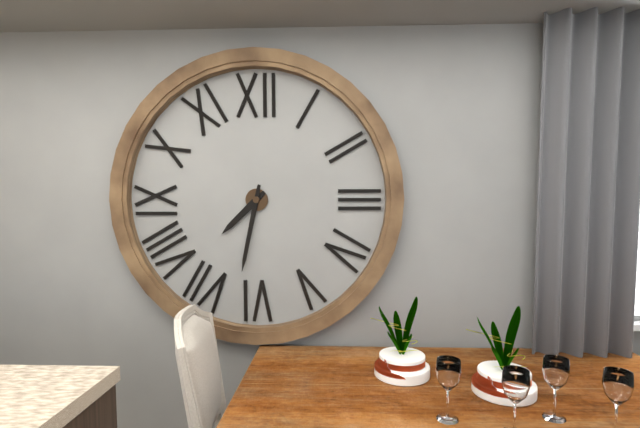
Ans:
h=7 m=32
